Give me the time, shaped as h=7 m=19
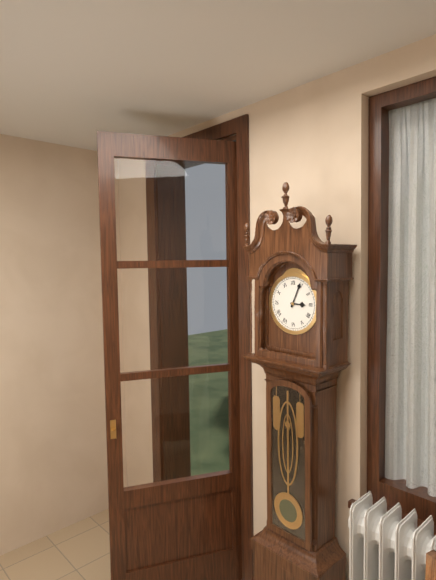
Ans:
h=3 m=4
